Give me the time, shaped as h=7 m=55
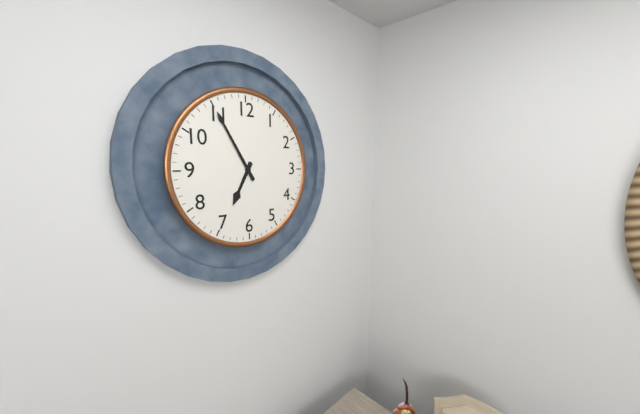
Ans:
h=6 m=55
